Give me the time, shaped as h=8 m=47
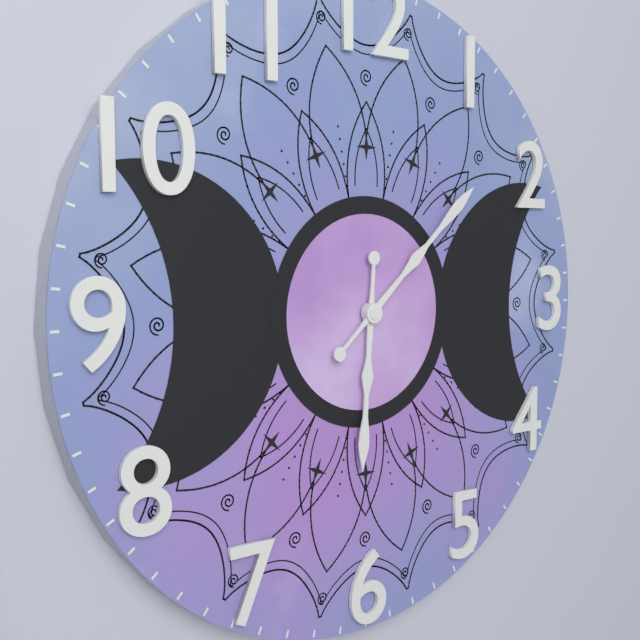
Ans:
h=6 m=8
